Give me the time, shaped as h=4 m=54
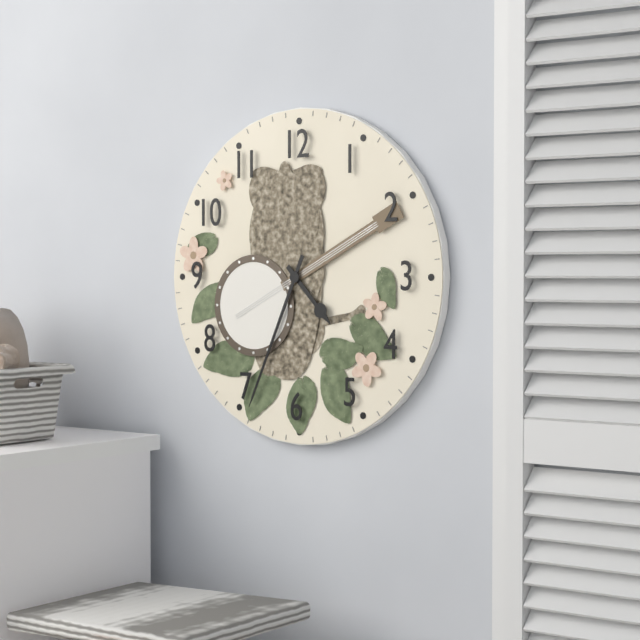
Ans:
h=4 m=34
